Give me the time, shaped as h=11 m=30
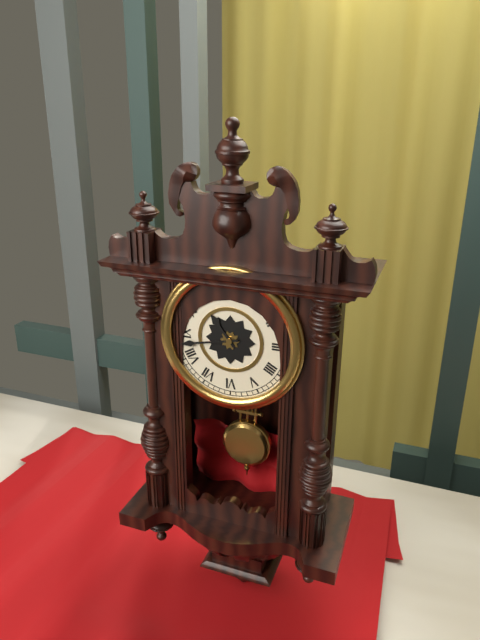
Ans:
h=10 m=43
